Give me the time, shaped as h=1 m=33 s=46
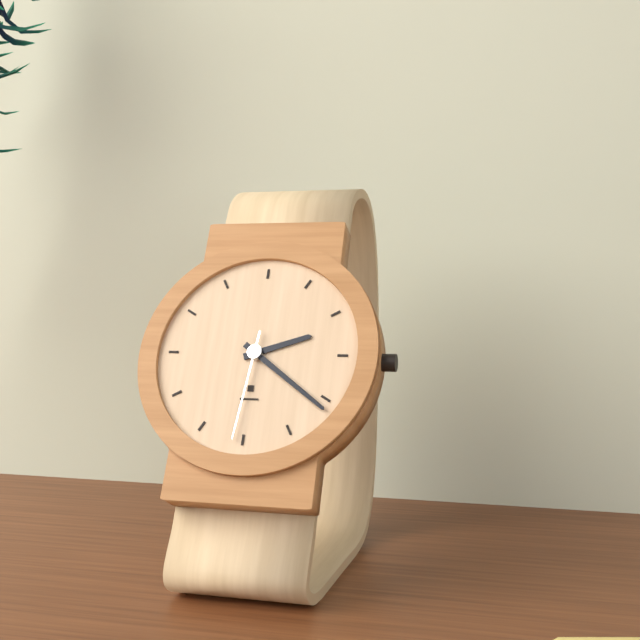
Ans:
h=2 m=21 s=31
